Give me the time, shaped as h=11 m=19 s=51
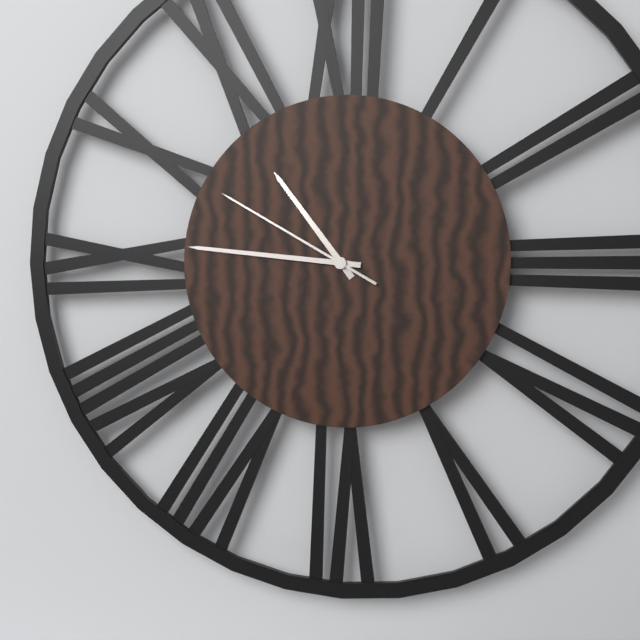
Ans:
h=10 m=46 s=50
